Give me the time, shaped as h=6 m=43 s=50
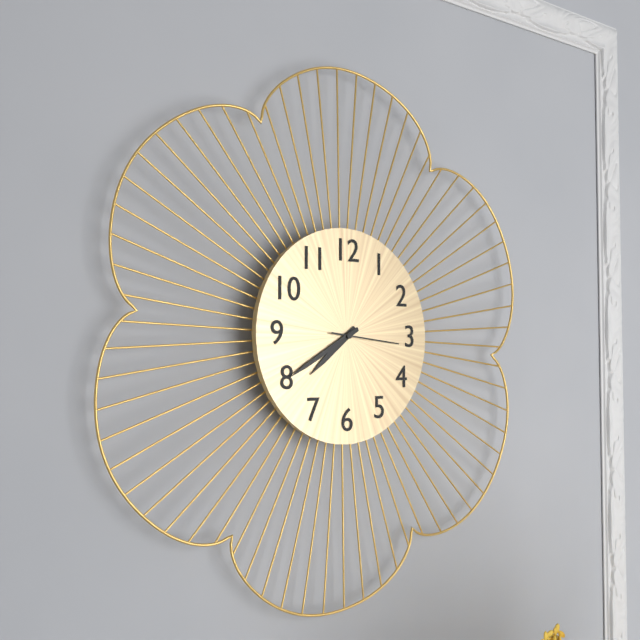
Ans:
h=7 m=40 s=16
